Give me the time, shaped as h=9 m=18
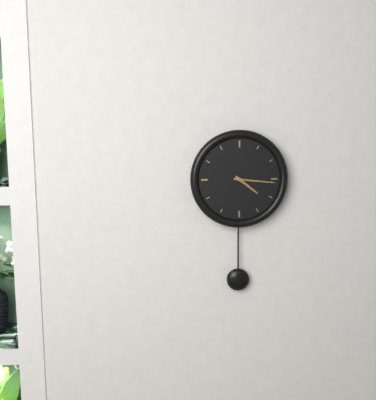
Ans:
h=4 m=16
